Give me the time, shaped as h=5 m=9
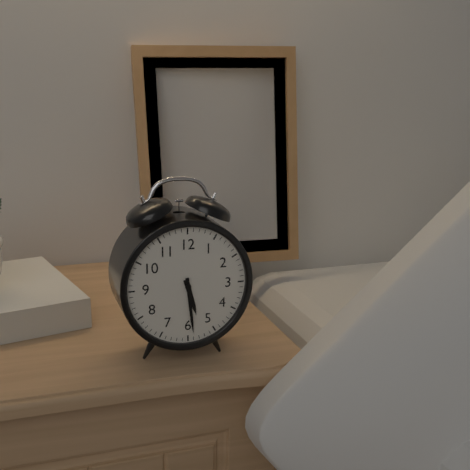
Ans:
h=5 m=29
